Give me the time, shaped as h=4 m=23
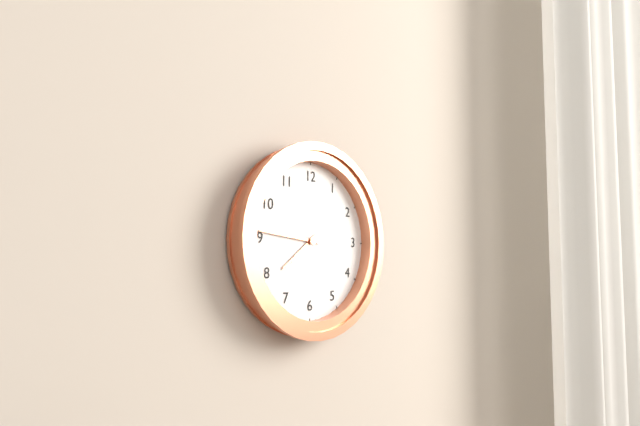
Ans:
h=7 m=46
